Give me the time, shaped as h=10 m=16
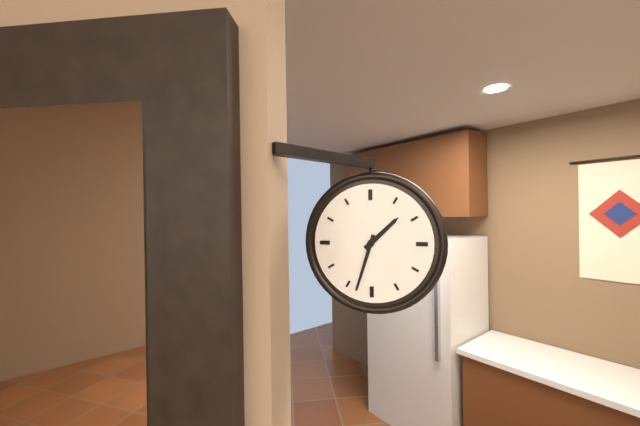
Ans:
h=1 m=33
